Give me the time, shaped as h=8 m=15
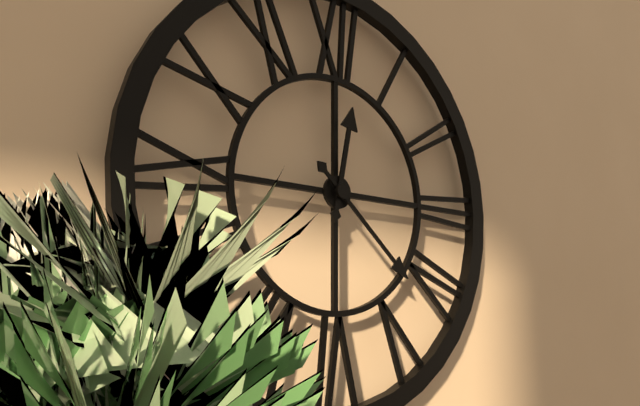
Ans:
h=12 m=22
